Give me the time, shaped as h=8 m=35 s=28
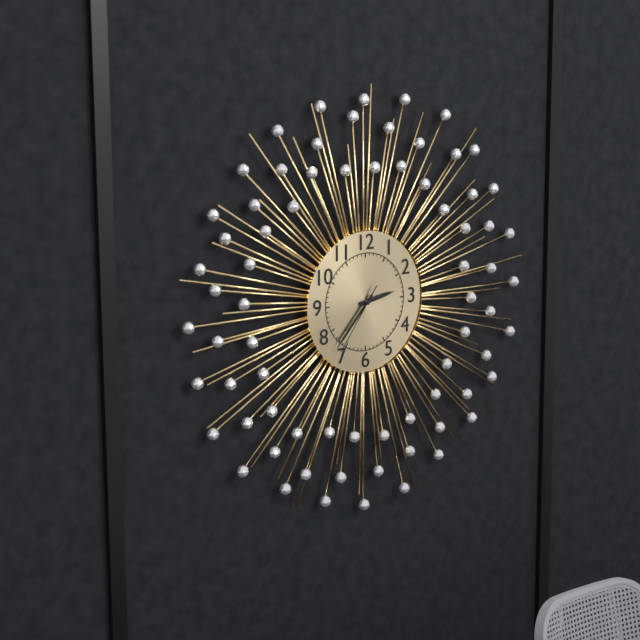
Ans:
h=2 m=37 s=36
